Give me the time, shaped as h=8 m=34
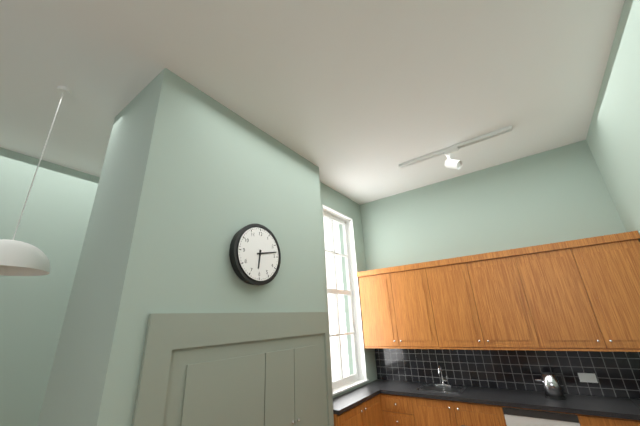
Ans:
h=6 m=13
